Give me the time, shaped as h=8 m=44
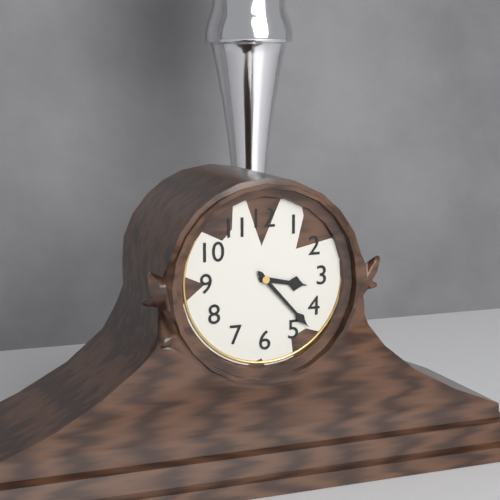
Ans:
h=3 m=23
